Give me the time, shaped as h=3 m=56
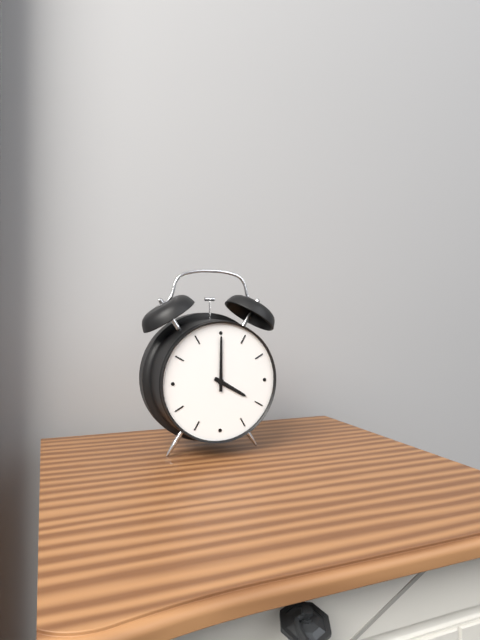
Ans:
h=4 m=0
